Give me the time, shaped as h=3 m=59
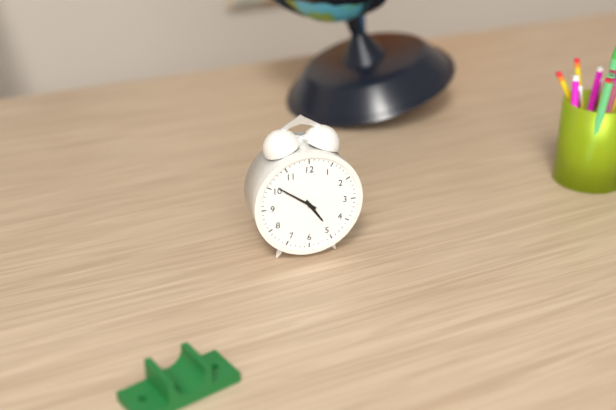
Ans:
h=4 m=51
